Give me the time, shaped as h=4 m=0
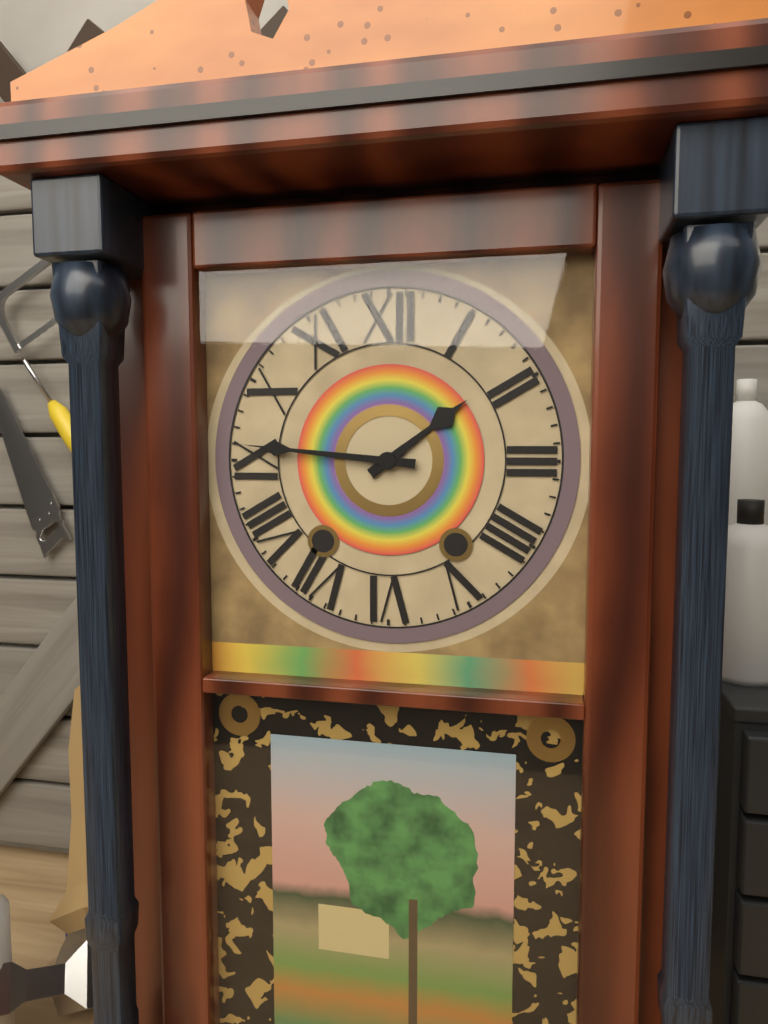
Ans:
h=1 m=46
